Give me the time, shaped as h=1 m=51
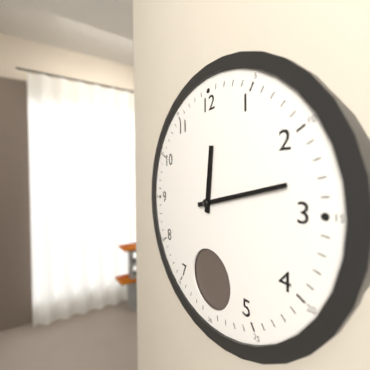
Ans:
h=12 m=13
